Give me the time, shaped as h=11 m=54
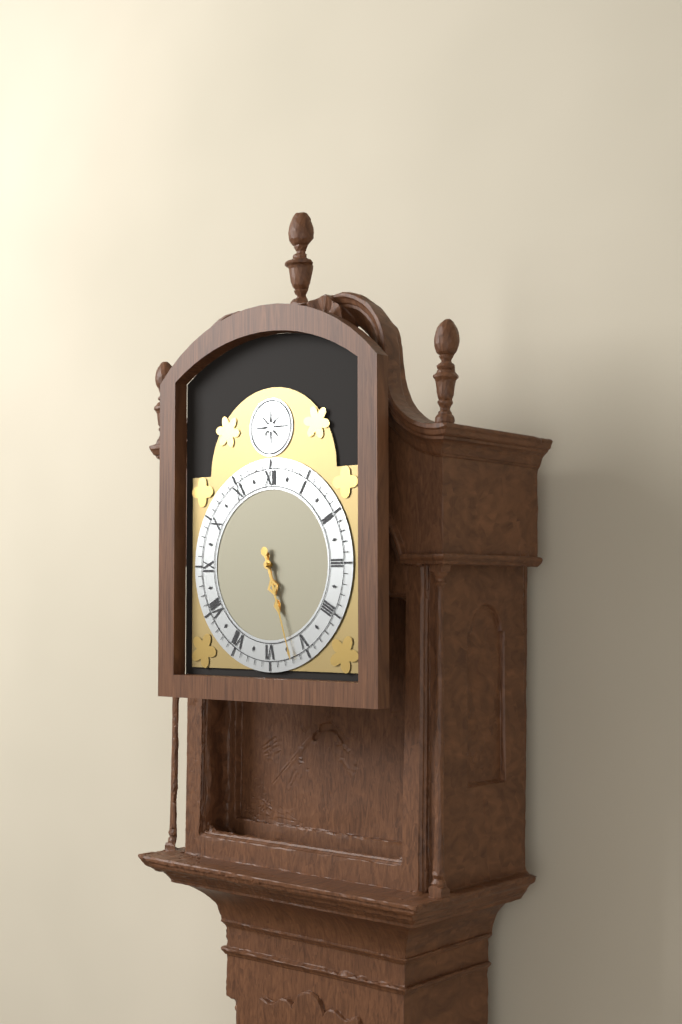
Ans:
h=5 m=27
